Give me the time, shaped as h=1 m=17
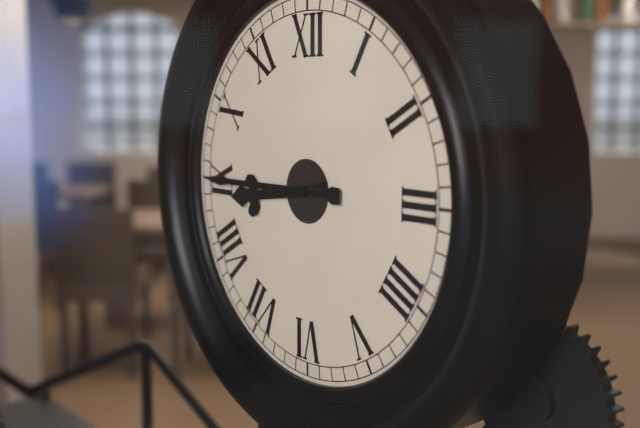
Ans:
h=8 m=45
